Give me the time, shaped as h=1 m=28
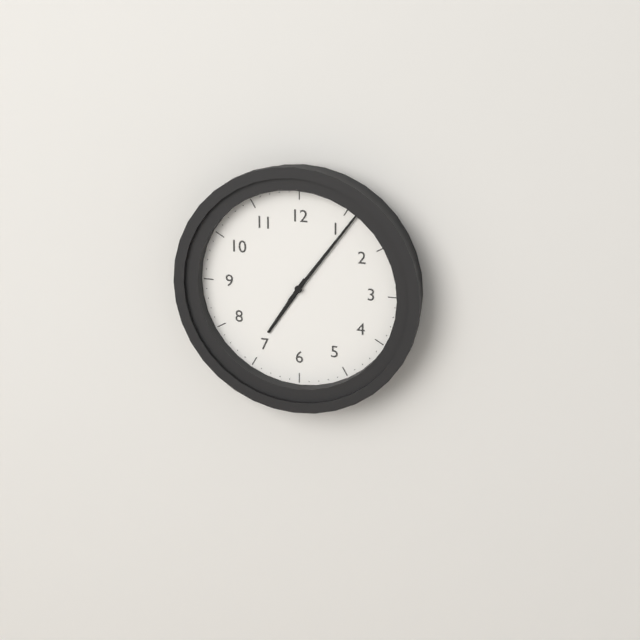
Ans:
h=7 m=6
